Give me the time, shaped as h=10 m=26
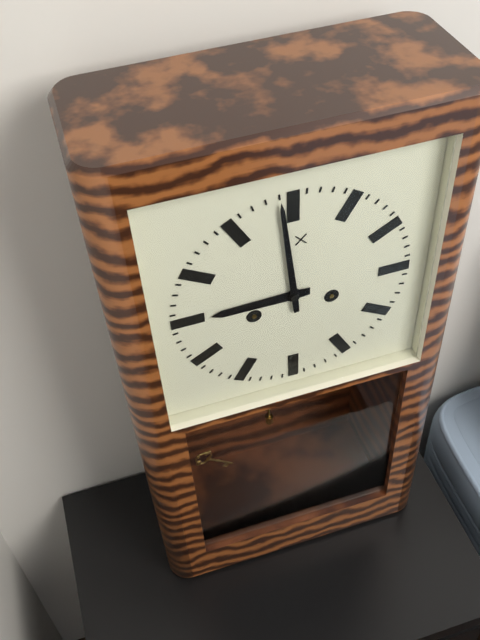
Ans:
h=8 m=59
